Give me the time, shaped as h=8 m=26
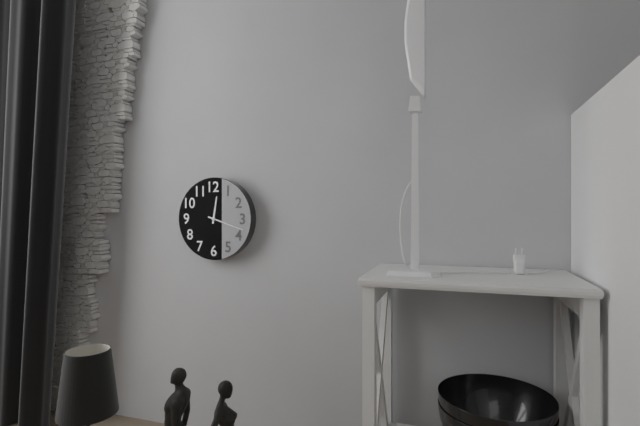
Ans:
h=12 m=18
